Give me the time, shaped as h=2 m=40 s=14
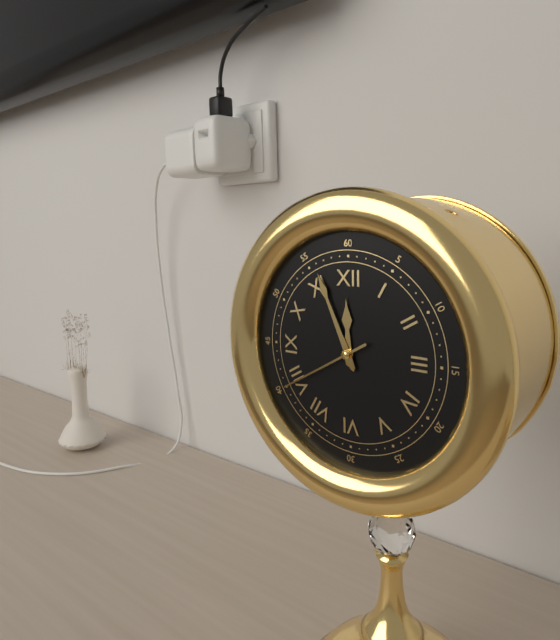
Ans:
h=11 m=56 s=40
